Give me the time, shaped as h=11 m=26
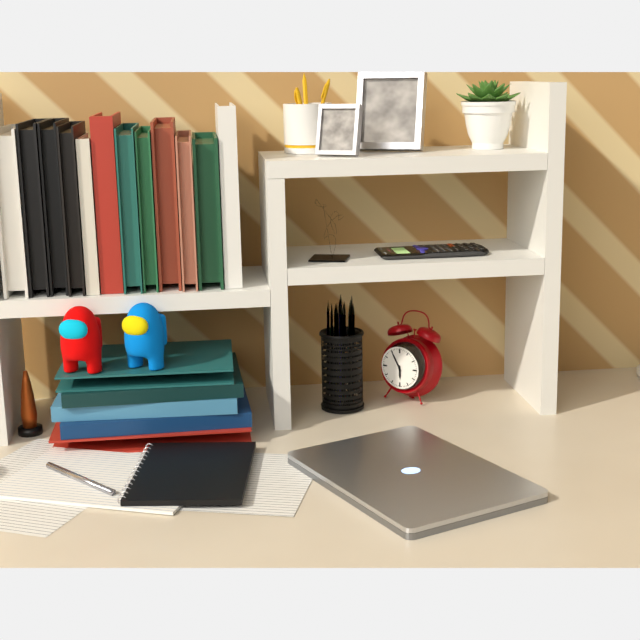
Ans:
h=5 m=55
